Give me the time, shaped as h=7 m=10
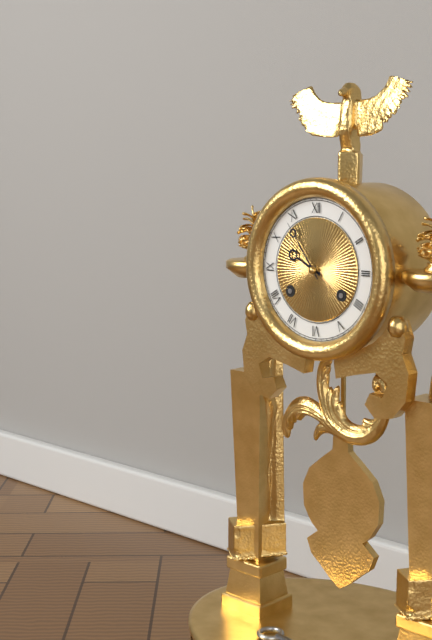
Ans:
h=9 m=54
